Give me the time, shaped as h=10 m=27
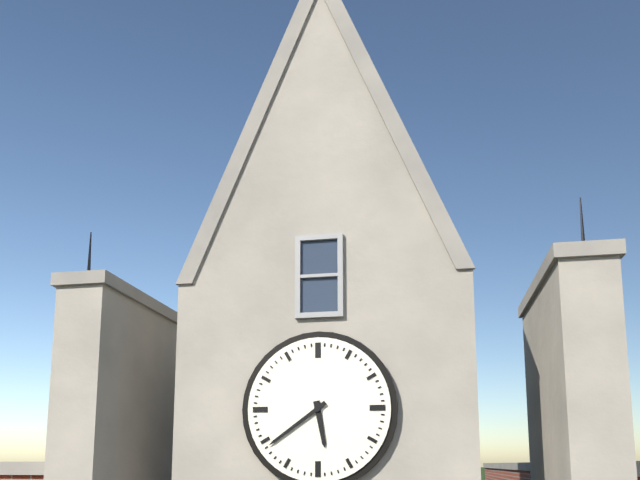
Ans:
h=5 m=39
